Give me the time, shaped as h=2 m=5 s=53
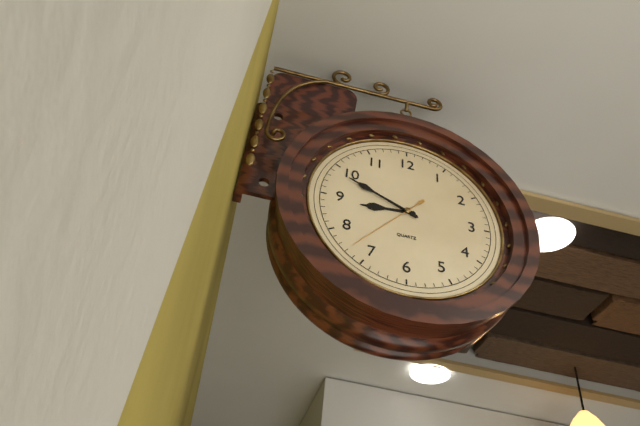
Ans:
h=8 m=49 s=37
